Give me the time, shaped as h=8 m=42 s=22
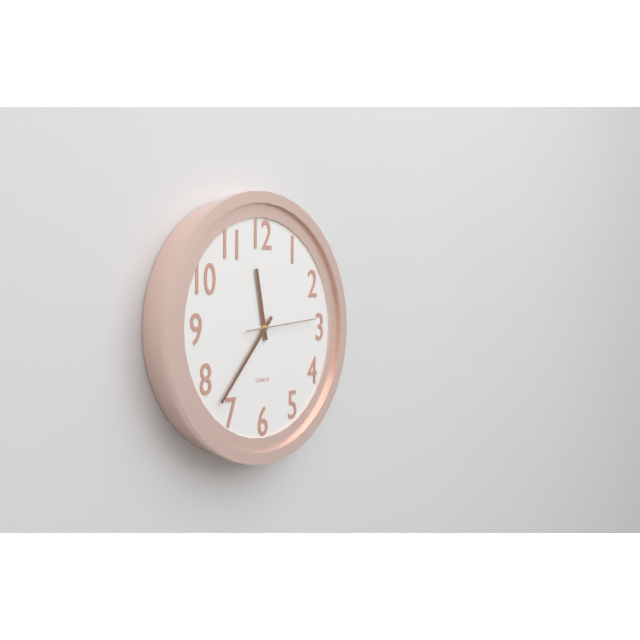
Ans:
h=11 m=37 s=14
